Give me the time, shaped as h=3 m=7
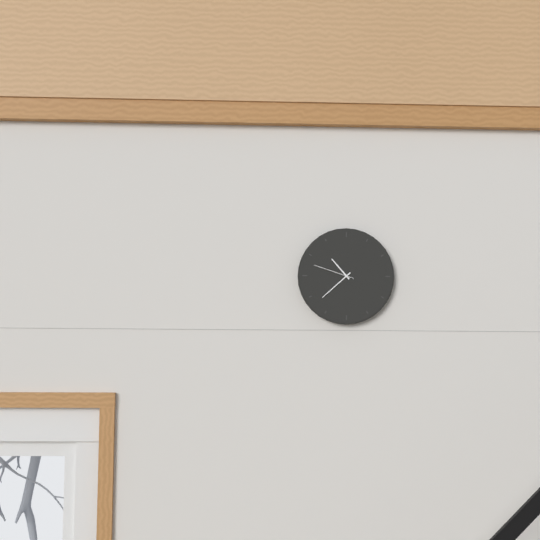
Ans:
h=10 m=38
